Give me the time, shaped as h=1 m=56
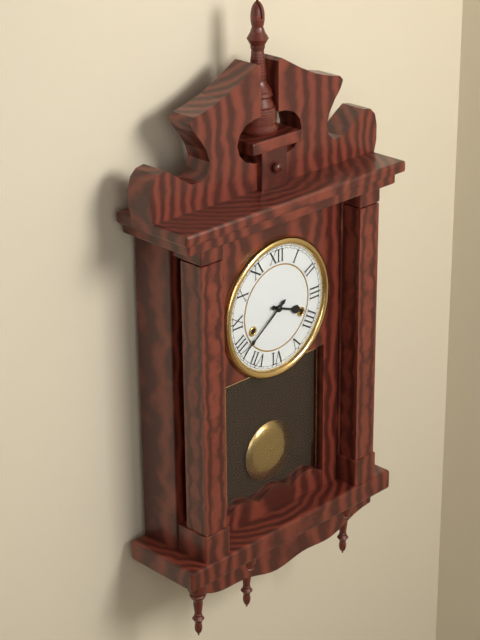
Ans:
h=3 m=39
